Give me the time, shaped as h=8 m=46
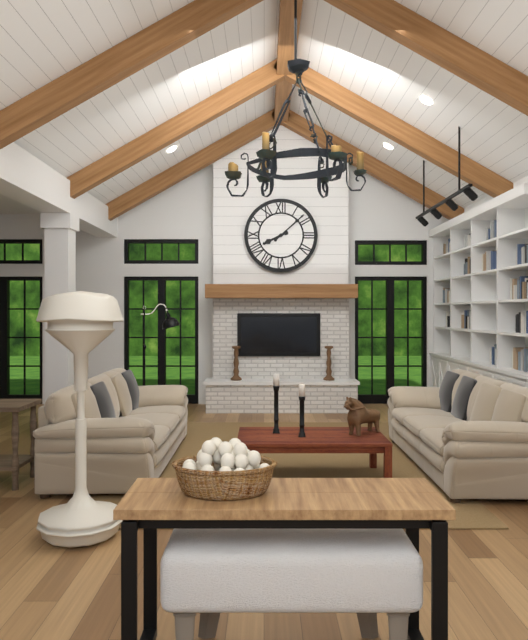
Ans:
h=8 m=8
